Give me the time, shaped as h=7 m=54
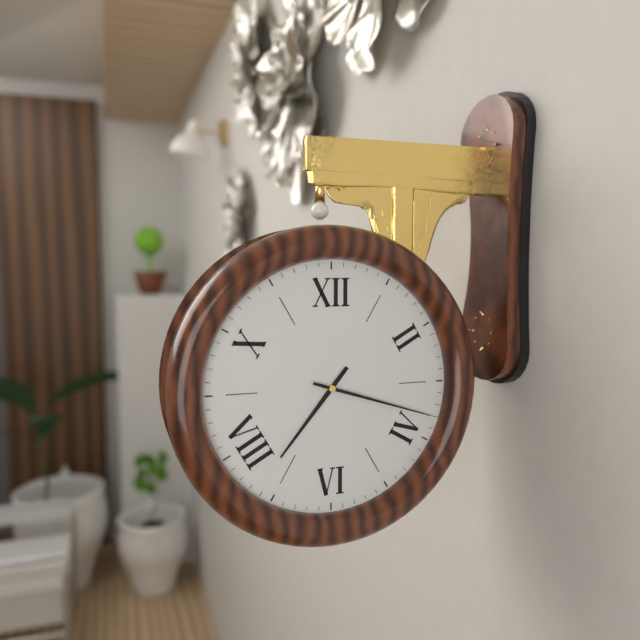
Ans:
h=7 m=18
